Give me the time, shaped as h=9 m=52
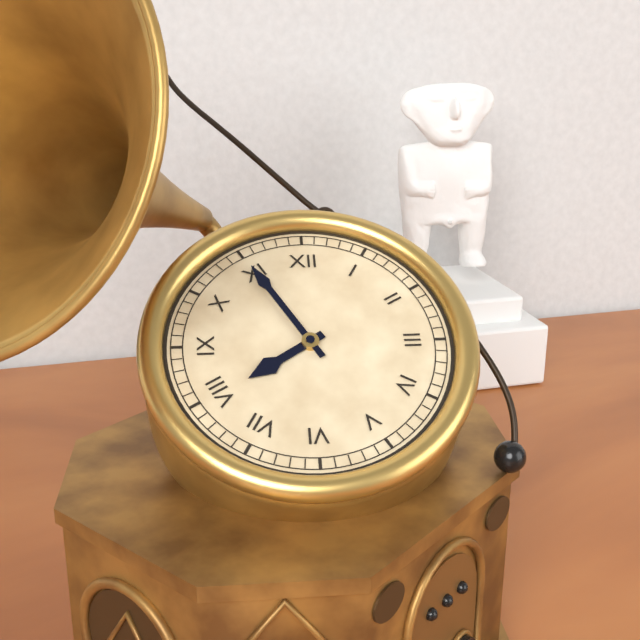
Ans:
h=7 m=55
